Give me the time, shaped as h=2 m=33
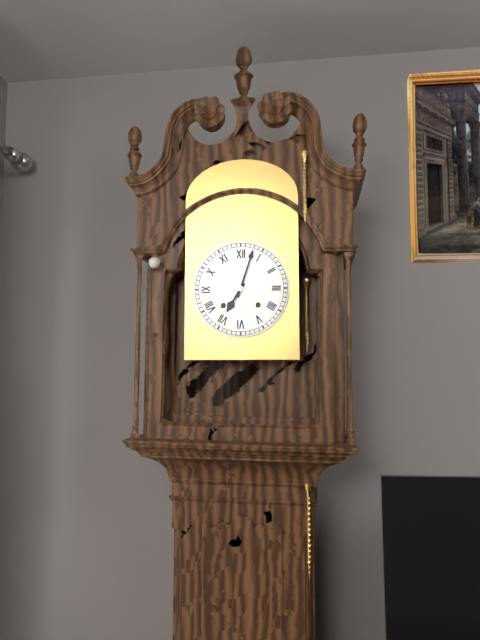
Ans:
h=7 m=3
